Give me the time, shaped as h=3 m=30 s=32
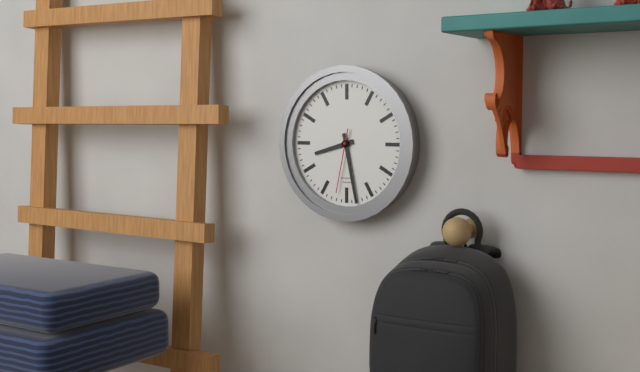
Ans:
h=8 m=28 s=32
